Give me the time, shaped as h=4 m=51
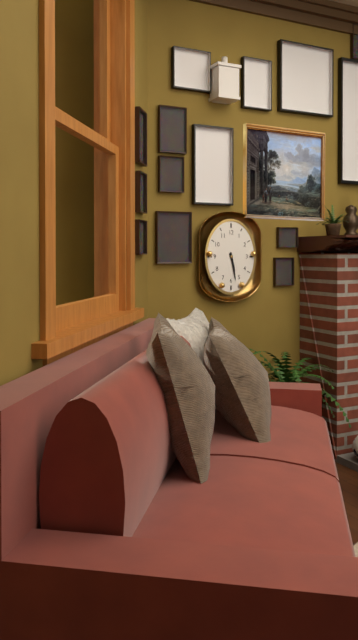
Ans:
h=5 m=28
